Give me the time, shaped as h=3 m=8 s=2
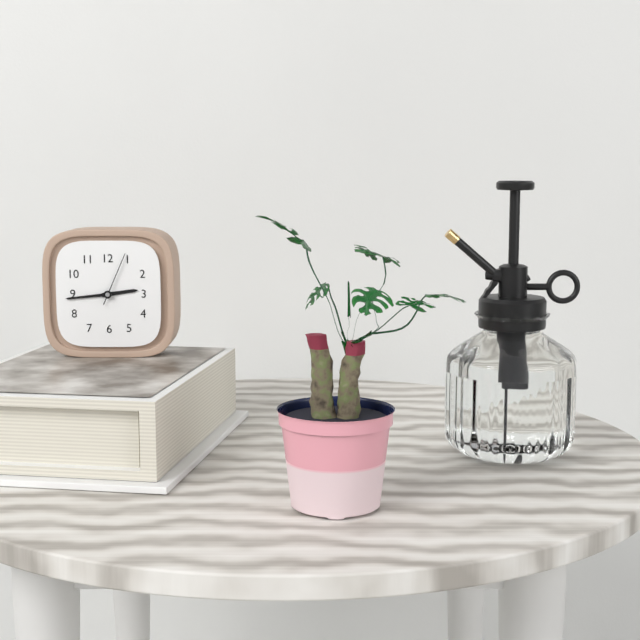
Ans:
h=2 m=44 s=4
